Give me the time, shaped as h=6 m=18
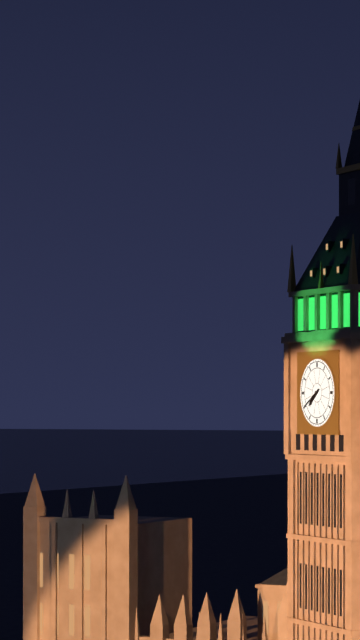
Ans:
h=7 m=40
